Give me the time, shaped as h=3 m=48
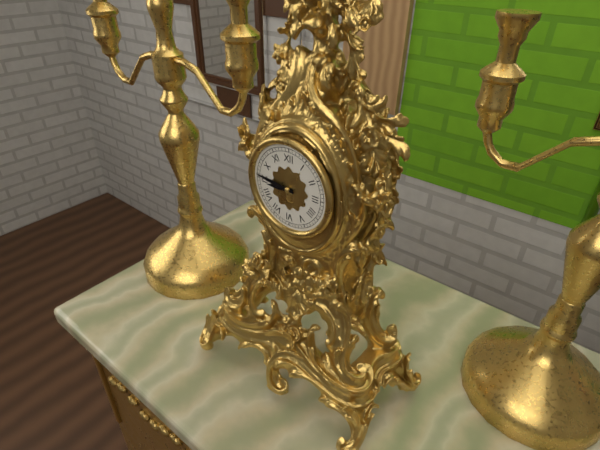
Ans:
h=8 m=46
